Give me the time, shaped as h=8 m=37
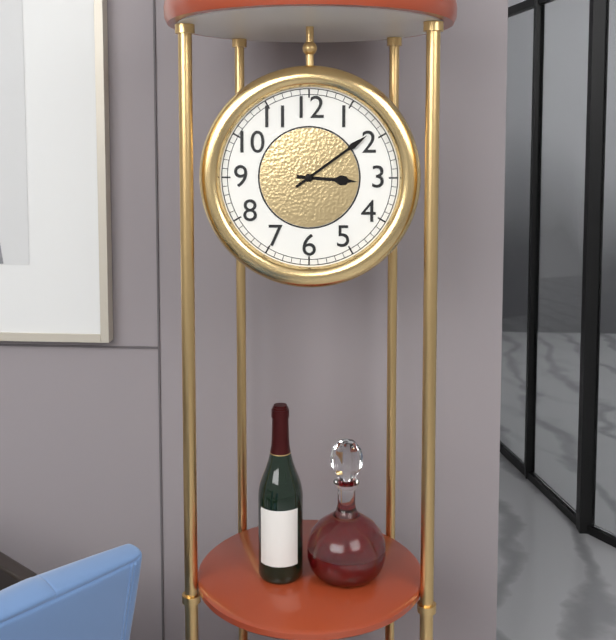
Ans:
h=3 m=9
